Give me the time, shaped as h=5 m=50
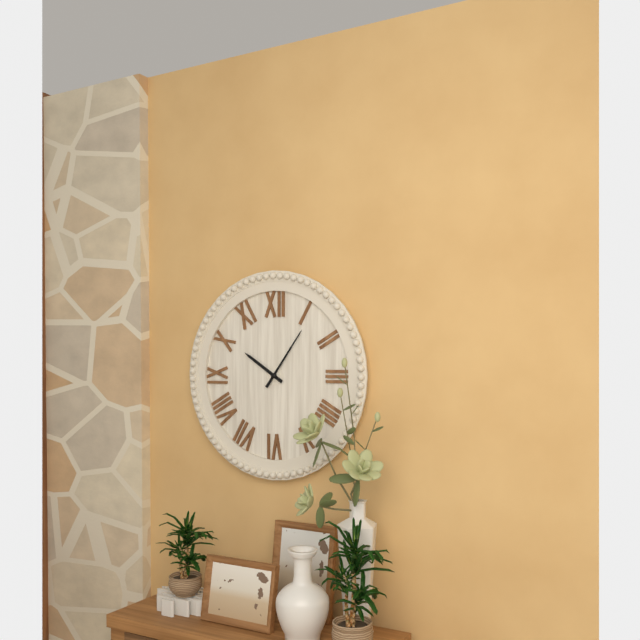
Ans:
h=10 m=6
